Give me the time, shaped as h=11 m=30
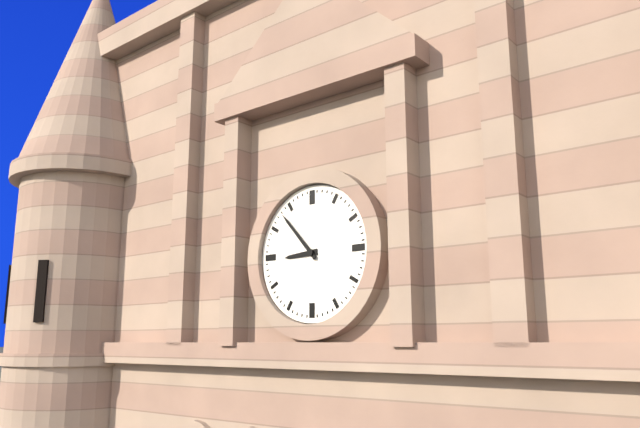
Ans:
h=8 m=53
